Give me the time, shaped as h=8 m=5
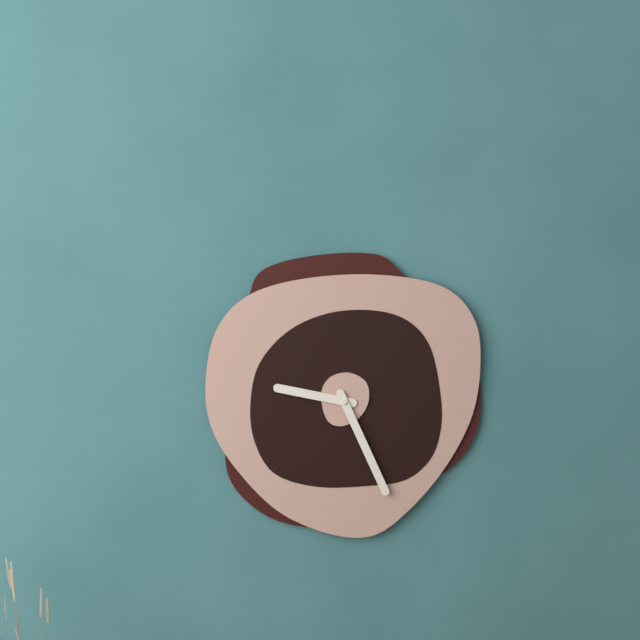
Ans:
h=9 m=26
